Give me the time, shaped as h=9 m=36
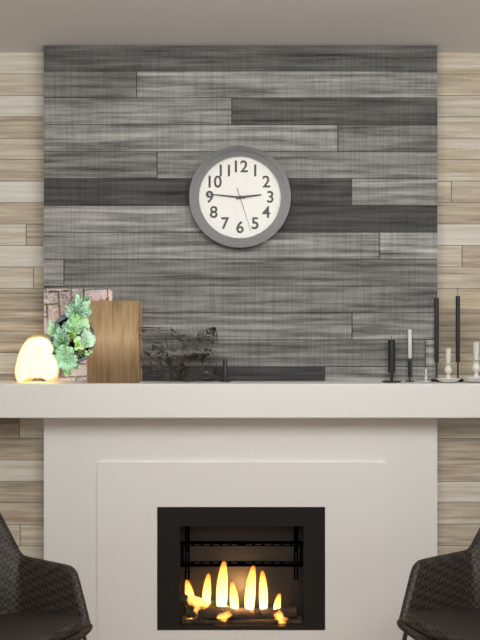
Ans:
h=2 m=46
